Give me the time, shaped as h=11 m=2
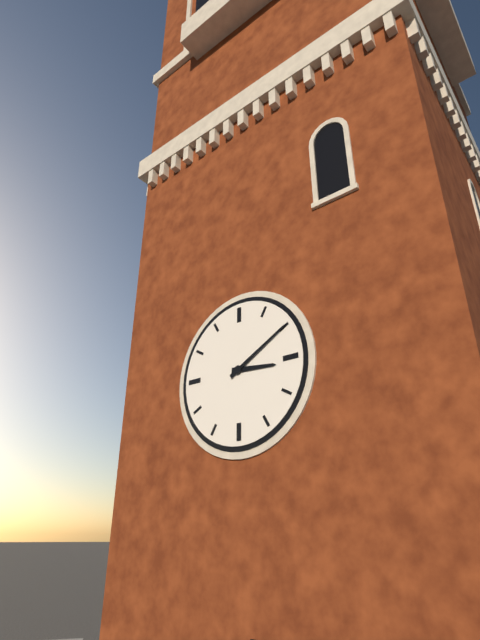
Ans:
h=3 m=10
